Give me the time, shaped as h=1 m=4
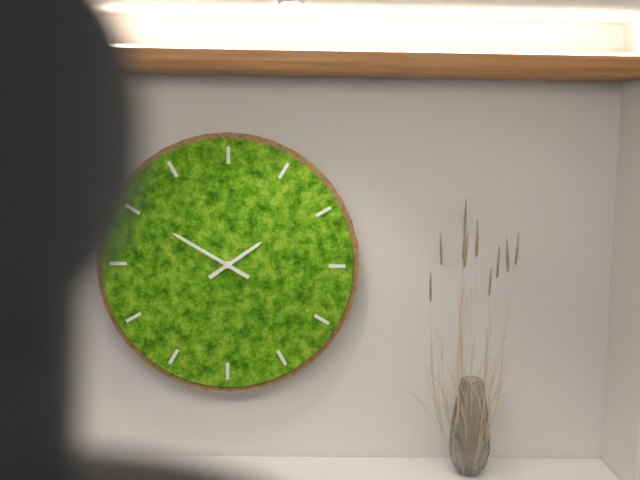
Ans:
h=1 m=50
